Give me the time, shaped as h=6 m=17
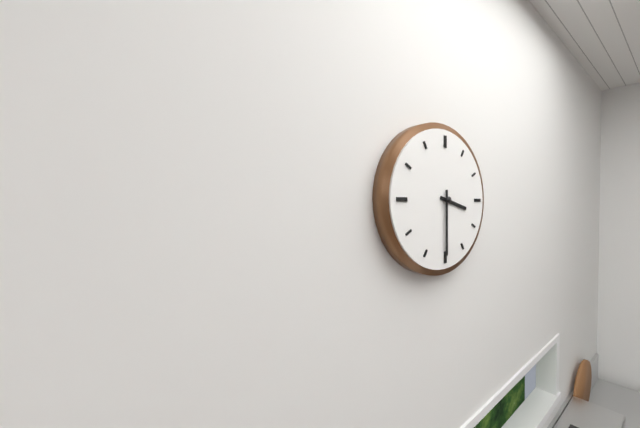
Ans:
h=3 m=30
